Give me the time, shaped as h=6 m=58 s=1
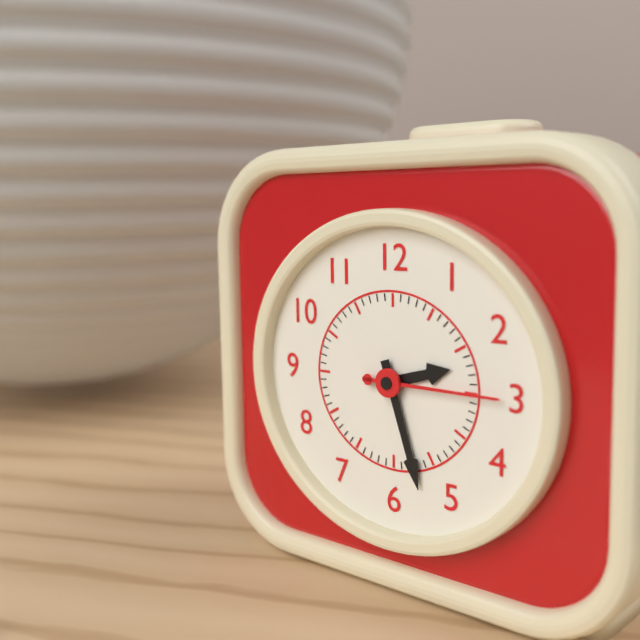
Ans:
h=2 m=27 s=15
